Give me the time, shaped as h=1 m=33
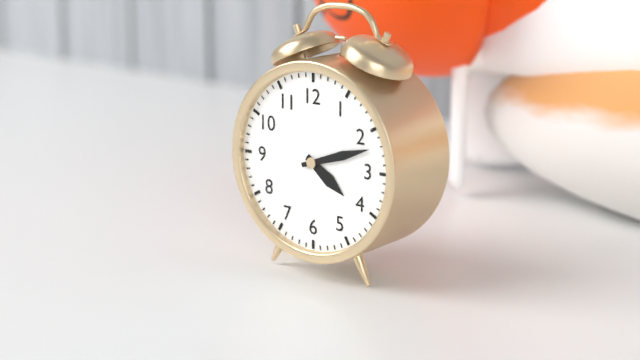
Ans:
h=4 m=12
